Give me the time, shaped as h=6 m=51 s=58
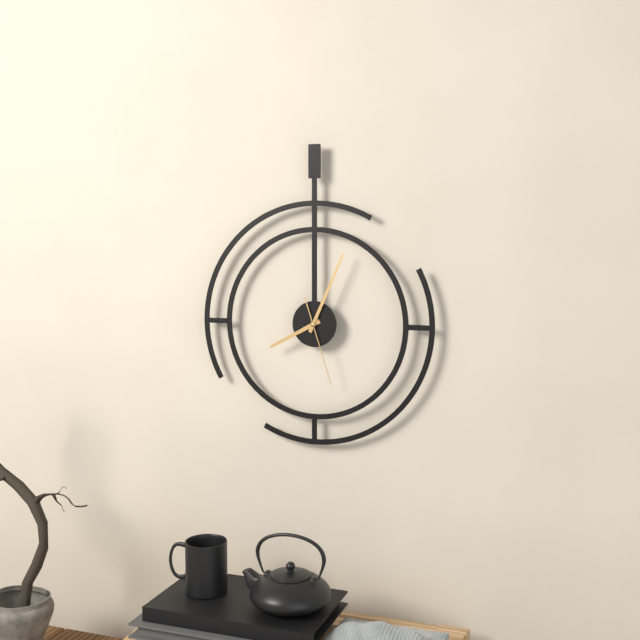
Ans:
h=8 m=4 s=27
